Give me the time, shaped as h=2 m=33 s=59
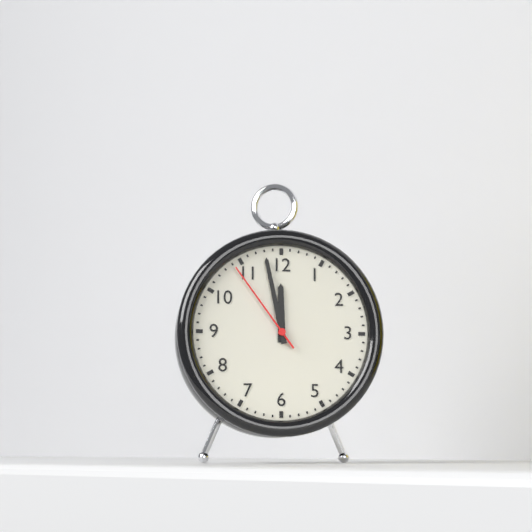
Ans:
h=11 m=58 s=54
